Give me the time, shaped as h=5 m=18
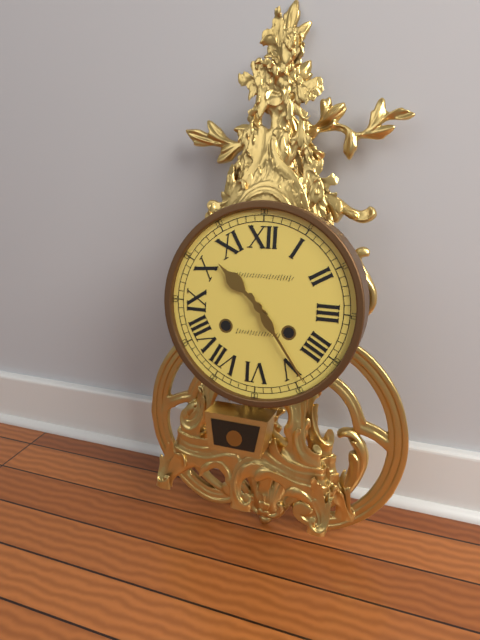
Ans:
h=10 m=24
